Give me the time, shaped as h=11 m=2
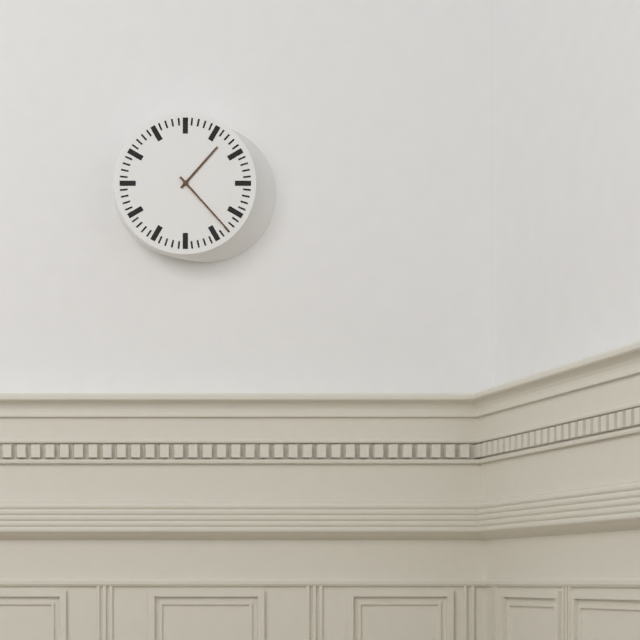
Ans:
h=1 m=23
